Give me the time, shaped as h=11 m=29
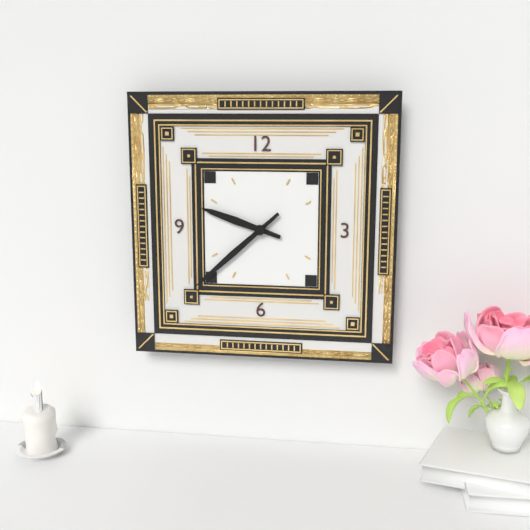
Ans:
h=9 m=38
